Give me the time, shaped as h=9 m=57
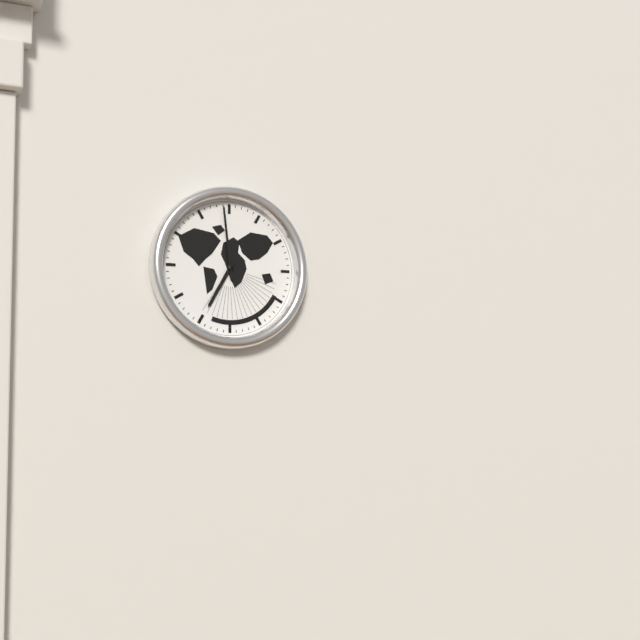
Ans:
h=6 m=59
